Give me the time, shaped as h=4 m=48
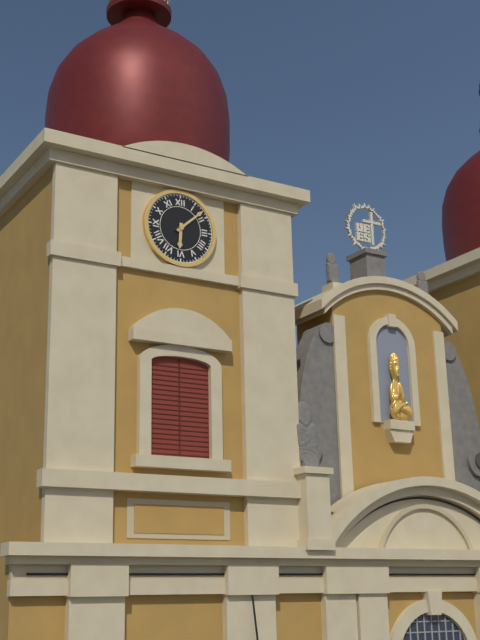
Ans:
h=6 m=8
